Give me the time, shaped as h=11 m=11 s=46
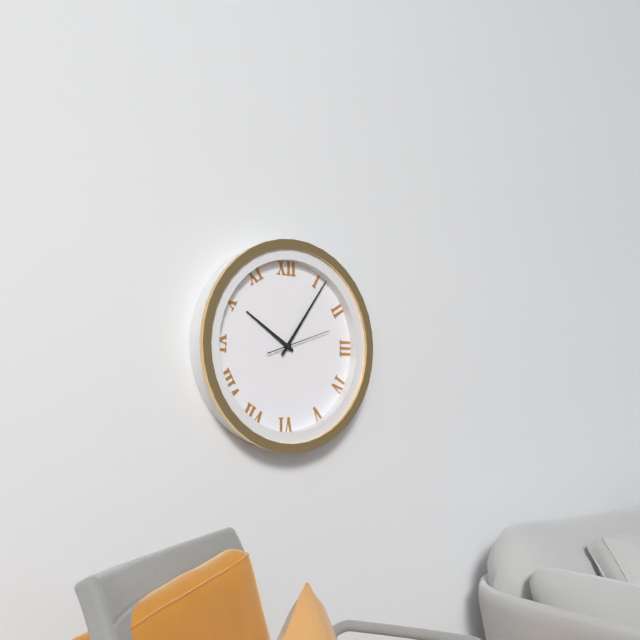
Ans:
h=10 m=6 s=12
